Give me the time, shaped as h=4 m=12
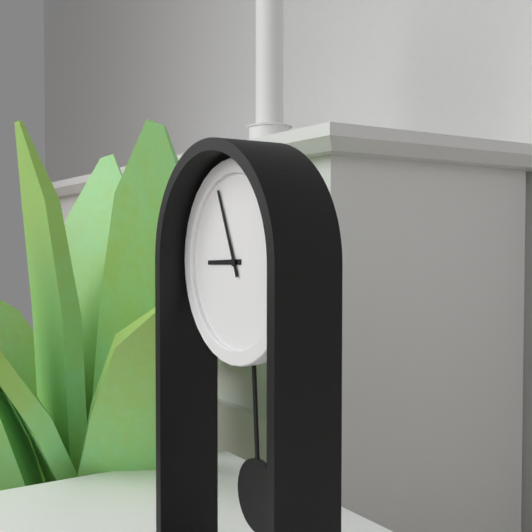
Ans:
h=8 m=56
